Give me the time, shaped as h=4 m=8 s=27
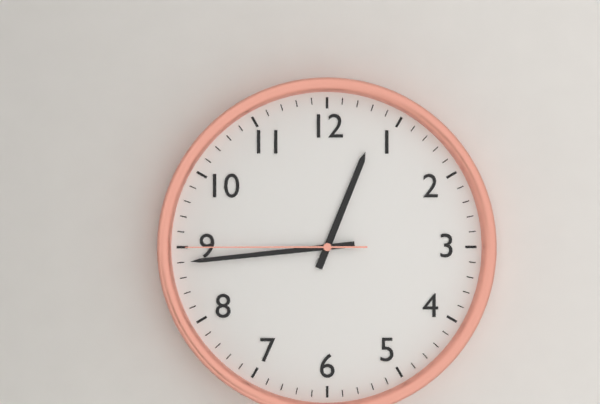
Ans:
h=12 m=44 s=45
